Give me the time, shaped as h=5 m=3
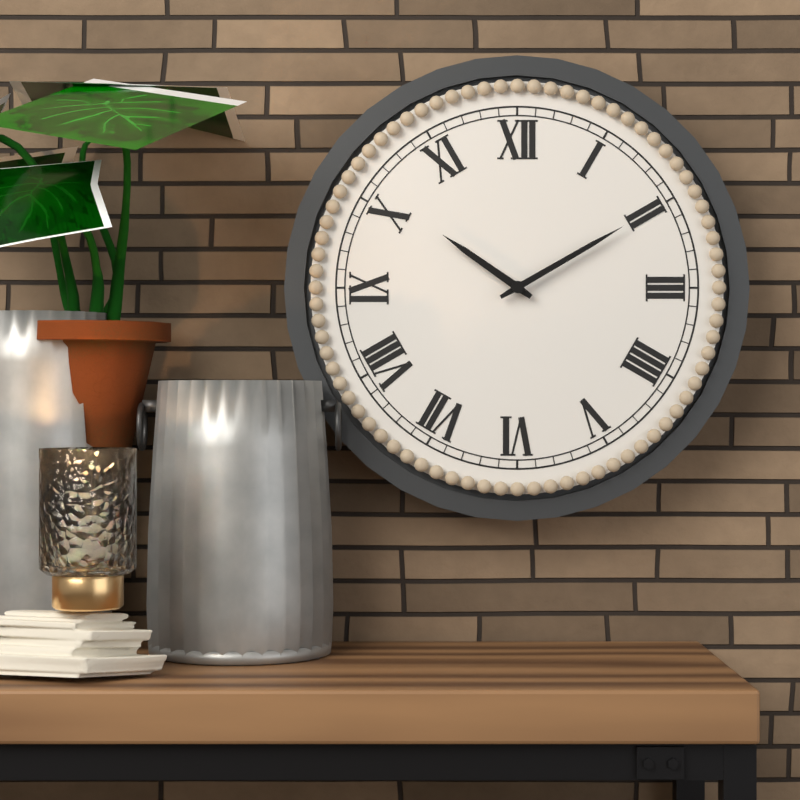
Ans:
h=10 m=10
